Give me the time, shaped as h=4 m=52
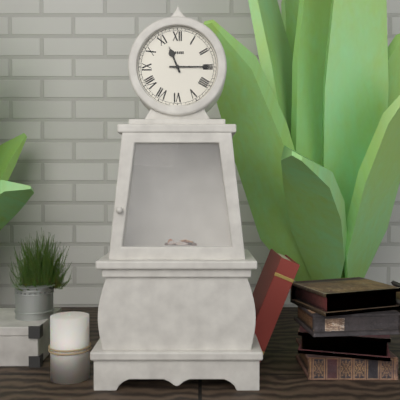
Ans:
h=11 m=15
